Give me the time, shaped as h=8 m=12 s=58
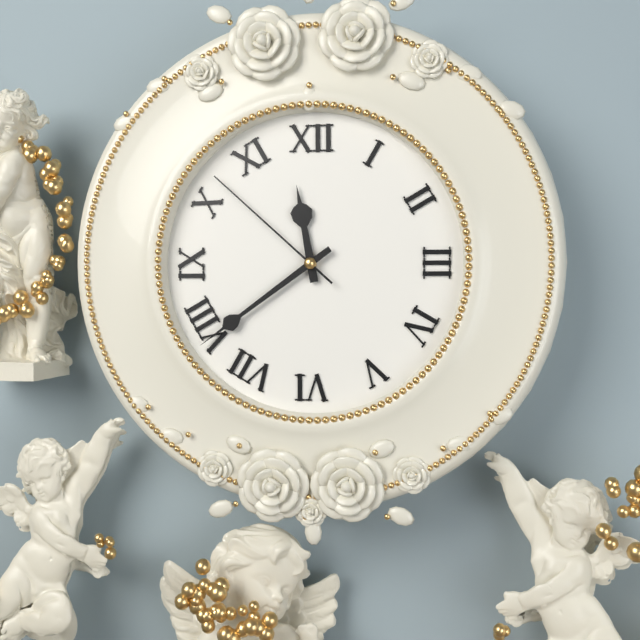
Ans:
h=11 m=39 s=52
